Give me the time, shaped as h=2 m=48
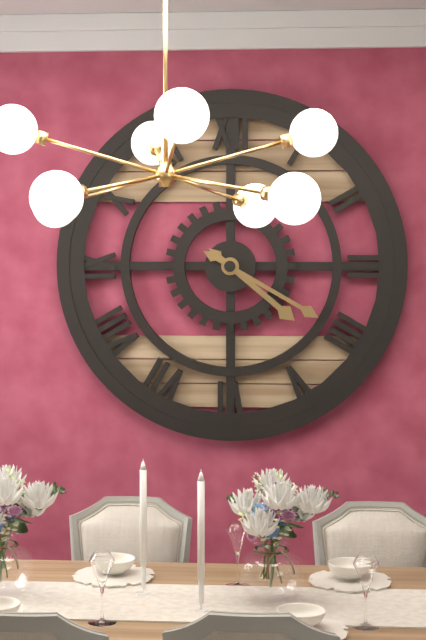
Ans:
h=4 m=20
